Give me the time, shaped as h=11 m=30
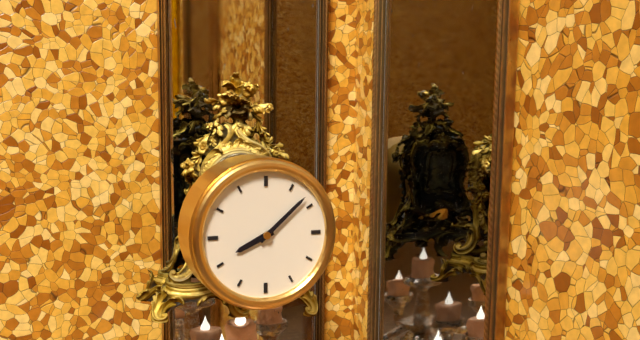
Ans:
h=8 m=8
